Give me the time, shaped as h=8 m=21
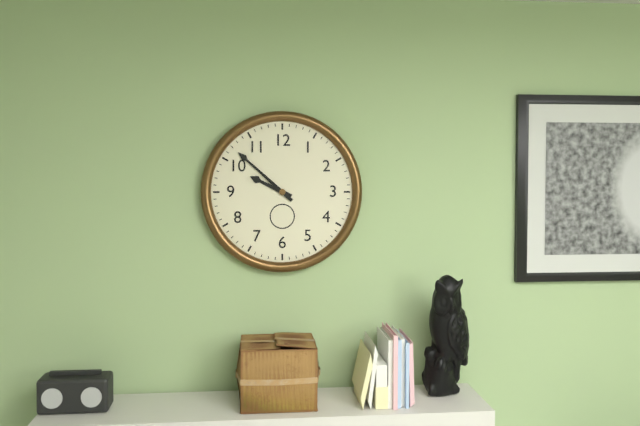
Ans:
h=9 m=52
